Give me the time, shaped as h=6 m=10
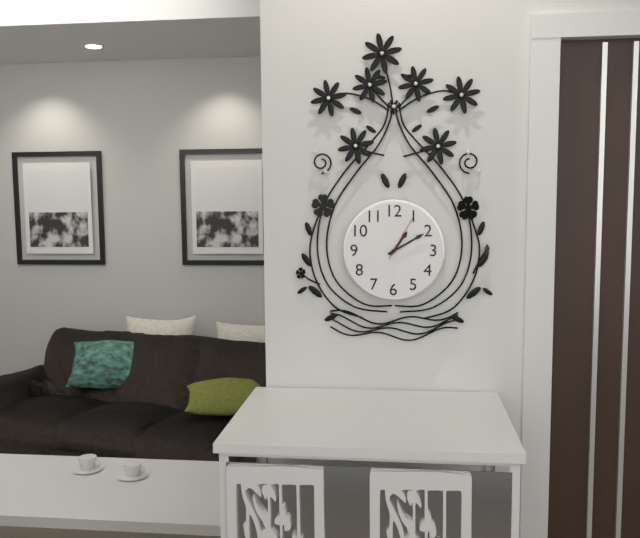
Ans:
h=1 m=10
